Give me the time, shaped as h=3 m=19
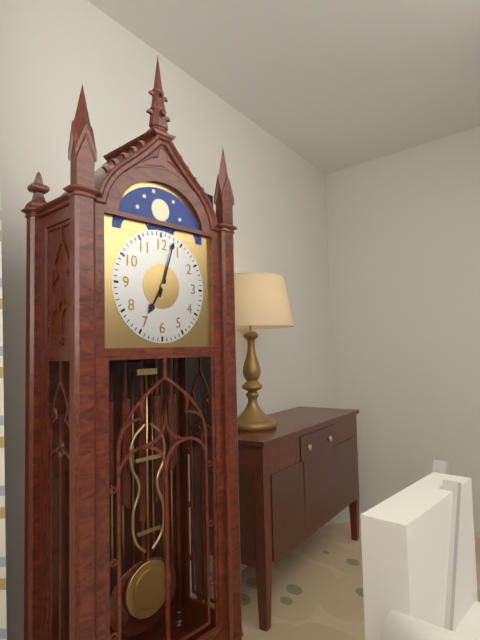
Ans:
h=7 m=3
